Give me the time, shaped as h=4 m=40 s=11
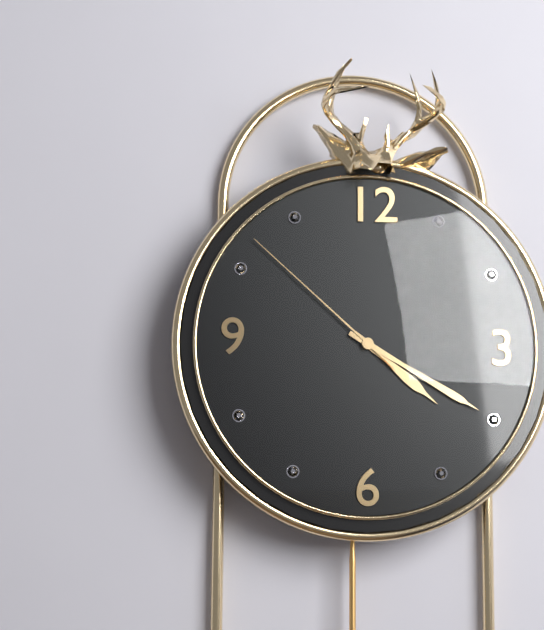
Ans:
h=4 m=20 s=52
